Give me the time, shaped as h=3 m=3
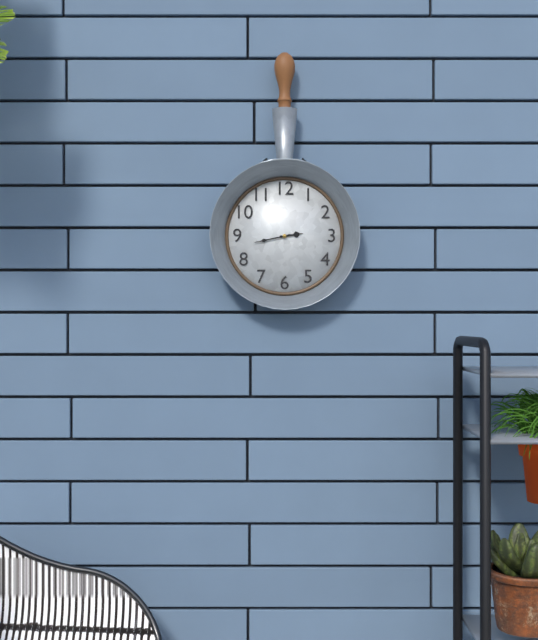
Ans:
h=2 m=43
